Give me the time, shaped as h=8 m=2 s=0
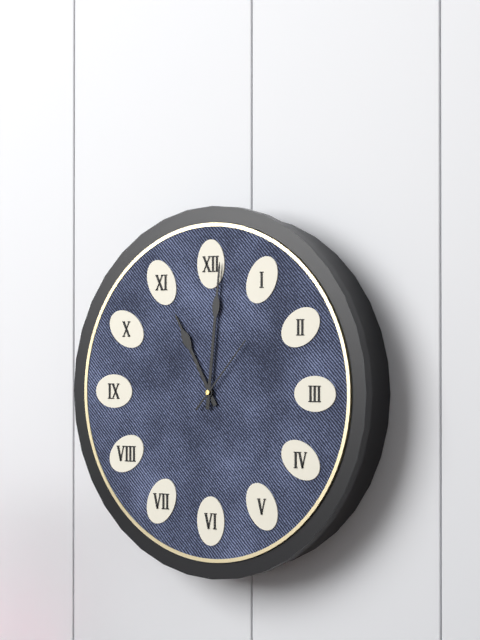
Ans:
h=11 m=1 s=7
